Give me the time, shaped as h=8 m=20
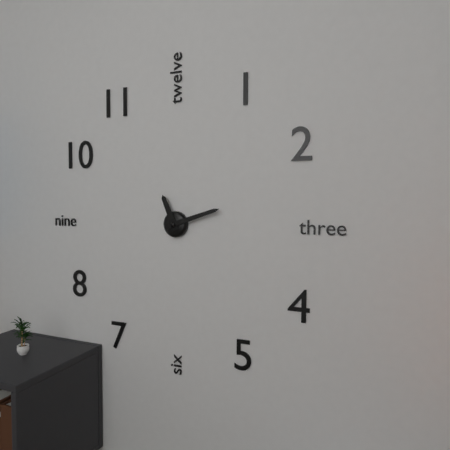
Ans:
h=11 m=12
